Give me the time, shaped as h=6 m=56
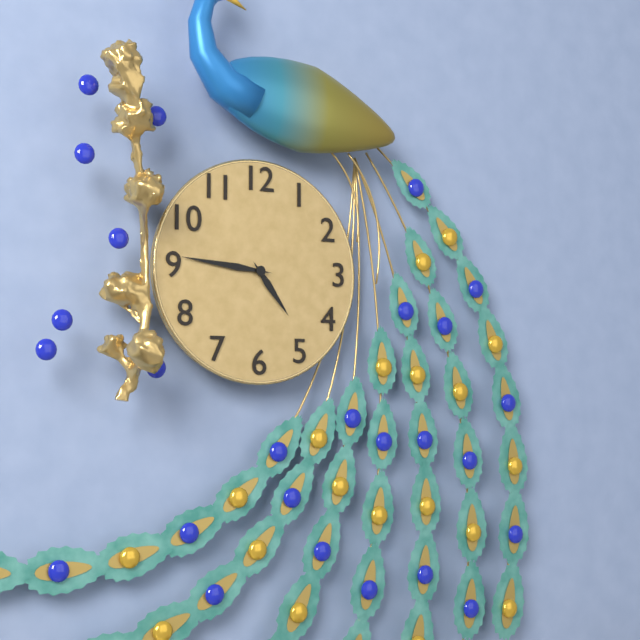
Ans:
h=4 m=46
